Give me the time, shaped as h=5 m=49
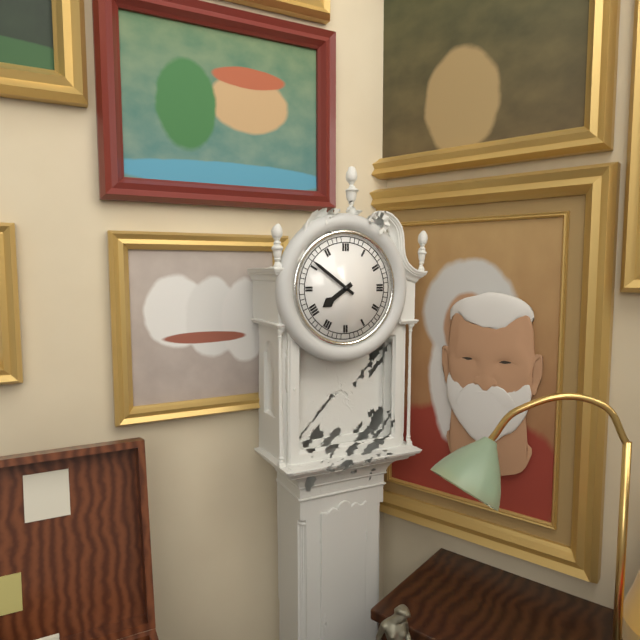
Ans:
h=7 m=51
